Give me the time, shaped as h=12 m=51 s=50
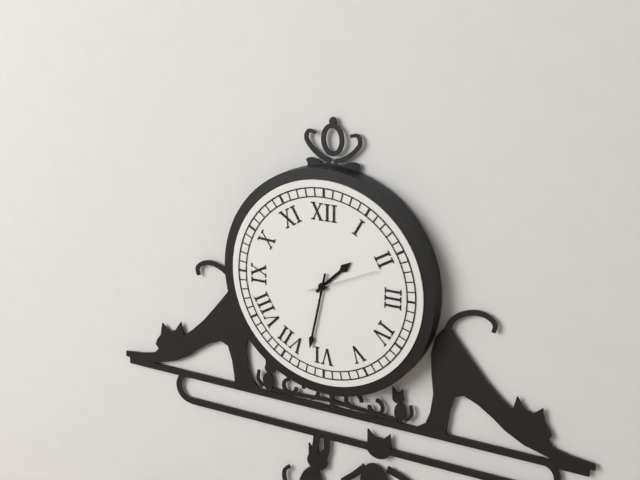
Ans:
h=1 m=32 s=11
